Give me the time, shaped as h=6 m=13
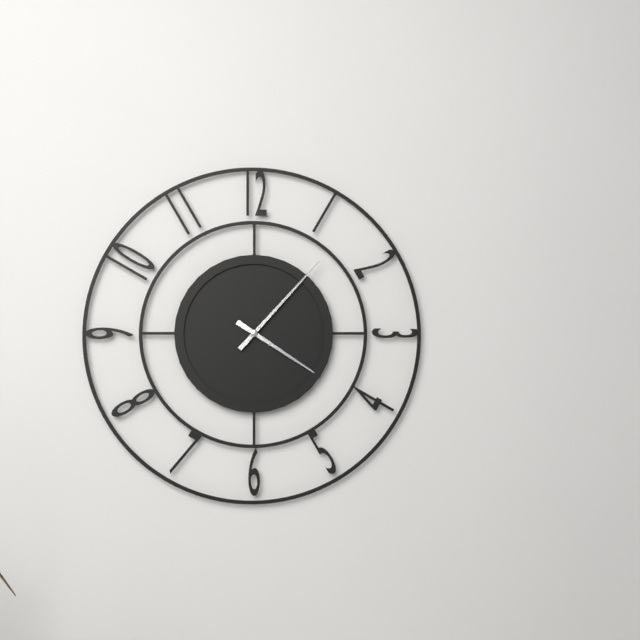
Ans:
h=4 m=7
